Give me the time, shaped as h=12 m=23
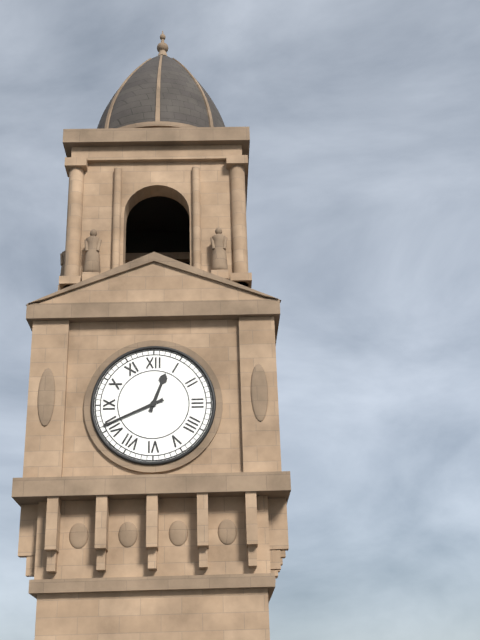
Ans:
h=12 m=41
